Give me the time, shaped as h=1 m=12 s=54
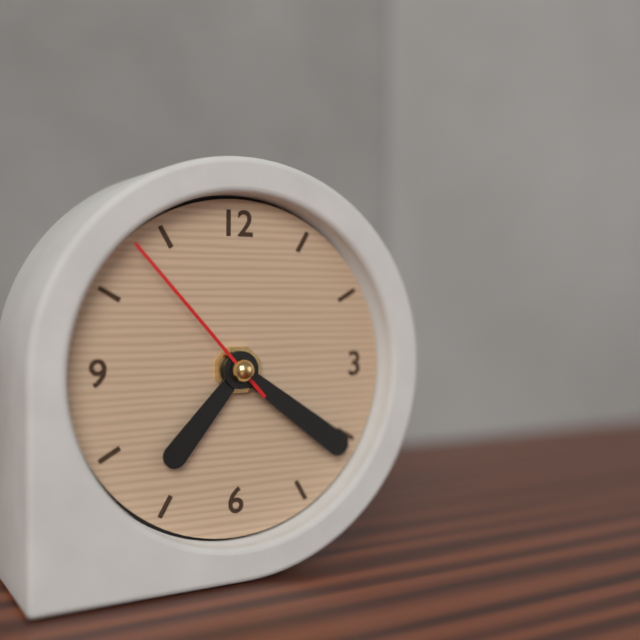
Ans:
h=7 m=21 s=53
